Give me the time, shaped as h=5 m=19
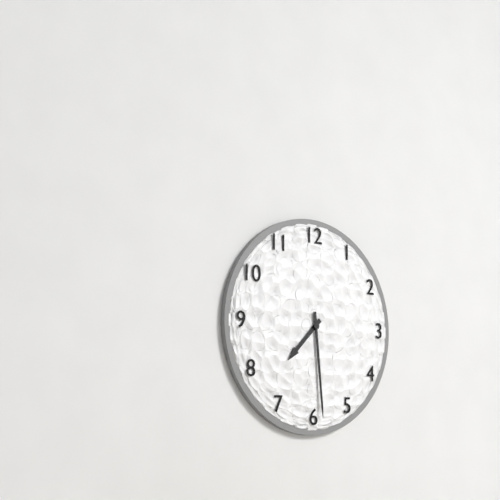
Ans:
h=7 m=29
